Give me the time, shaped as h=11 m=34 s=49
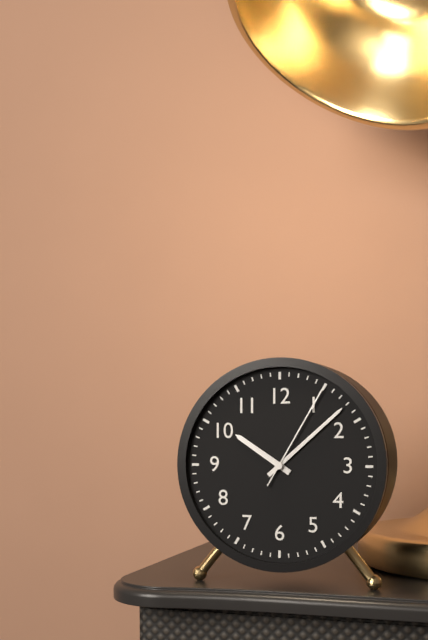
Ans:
h=10 m=8 s=5
